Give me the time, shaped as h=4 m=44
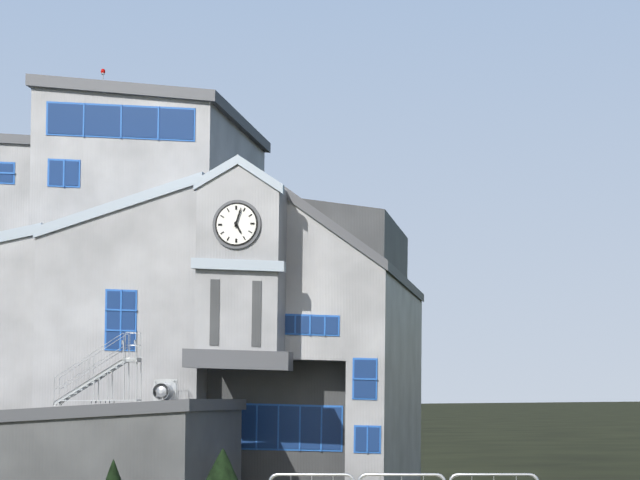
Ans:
h=5 m=3
